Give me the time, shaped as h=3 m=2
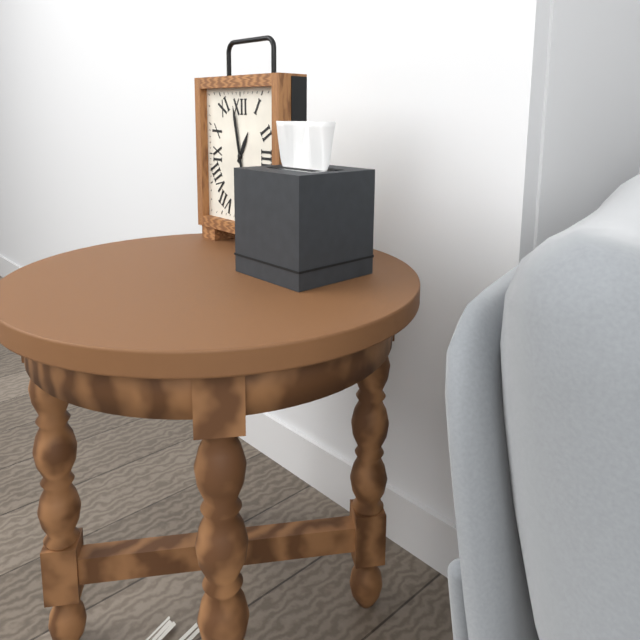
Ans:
h=12 m=58
